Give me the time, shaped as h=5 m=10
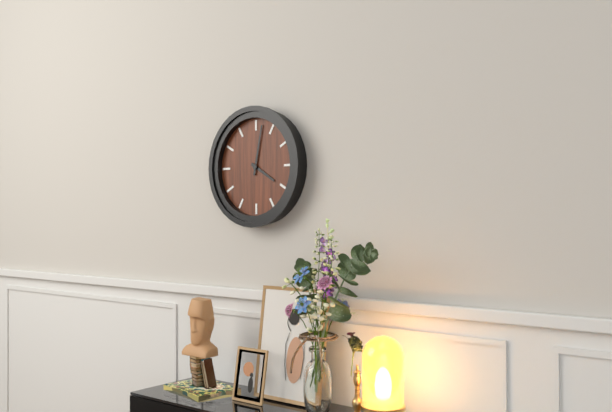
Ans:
h=4 m=2
